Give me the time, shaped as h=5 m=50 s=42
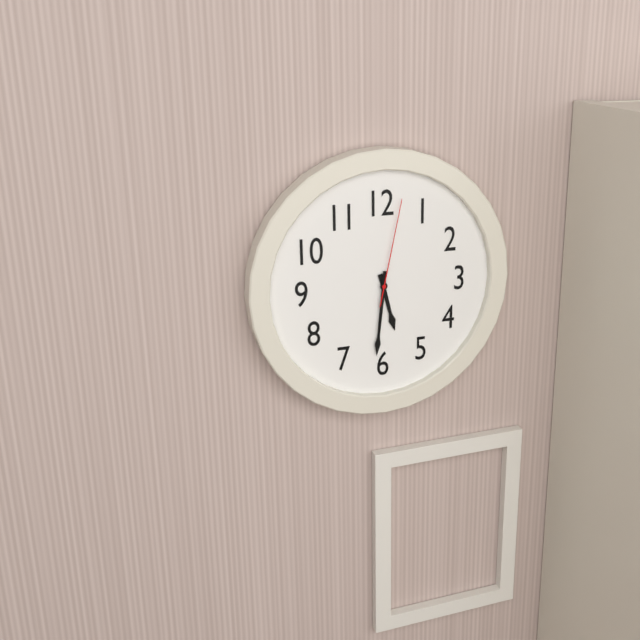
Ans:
h=5 m=31 s=2
